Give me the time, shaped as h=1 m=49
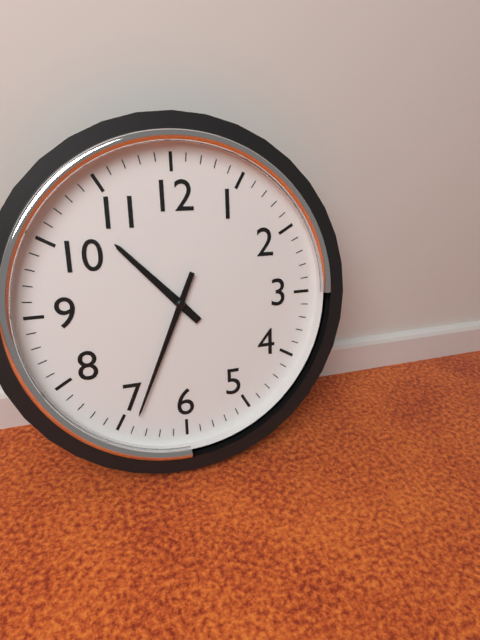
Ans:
h=10 m=34
